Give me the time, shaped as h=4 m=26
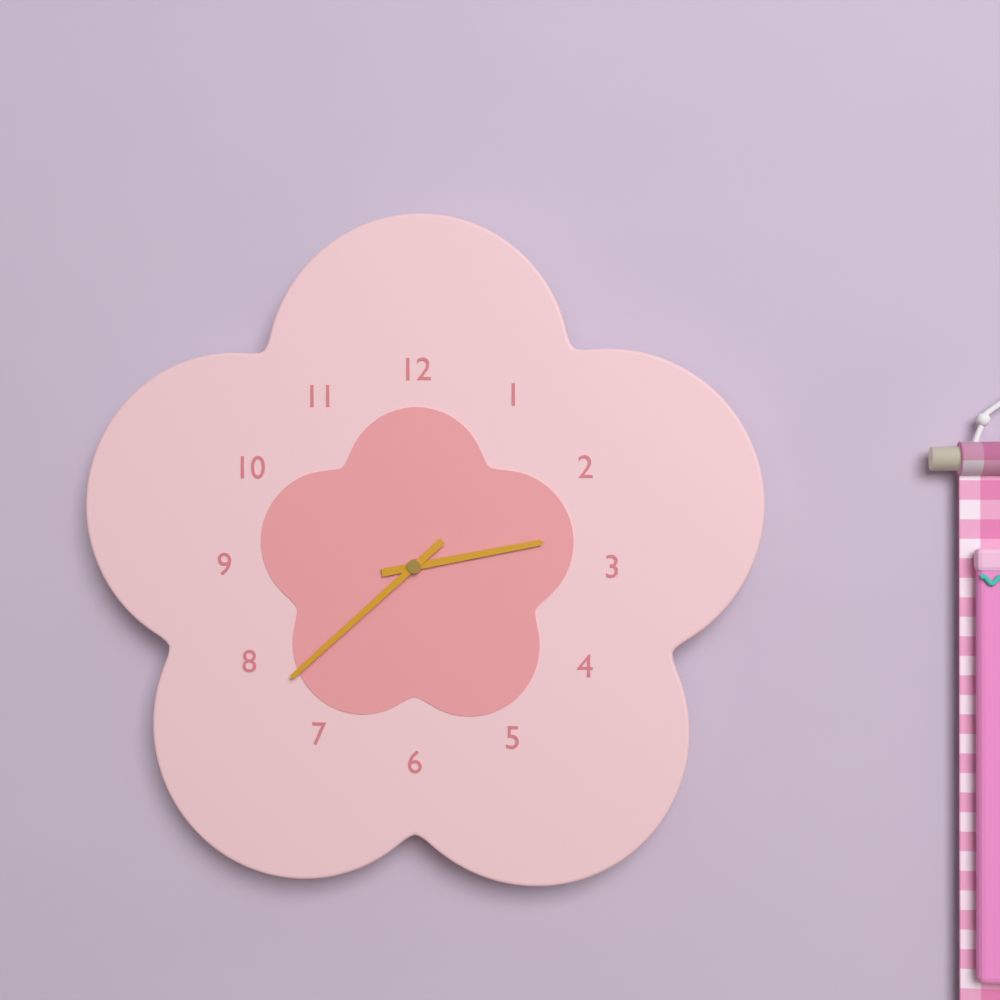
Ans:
h=2 m=38
